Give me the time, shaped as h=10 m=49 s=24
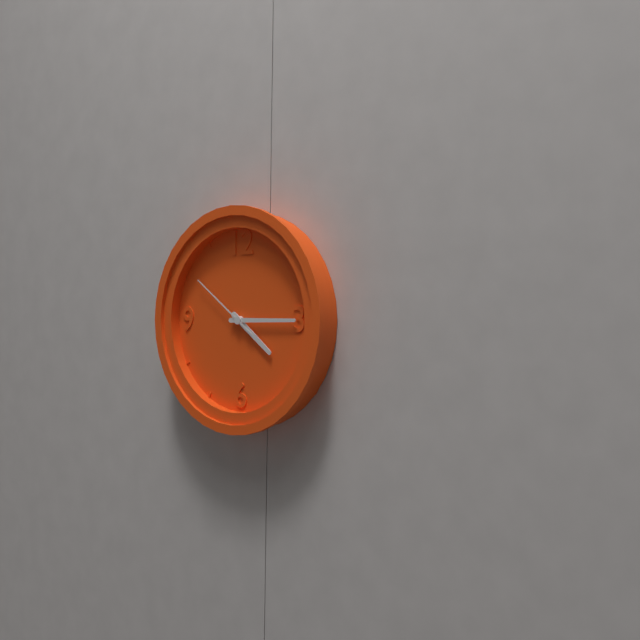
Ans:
h=4 m=15 s=51
